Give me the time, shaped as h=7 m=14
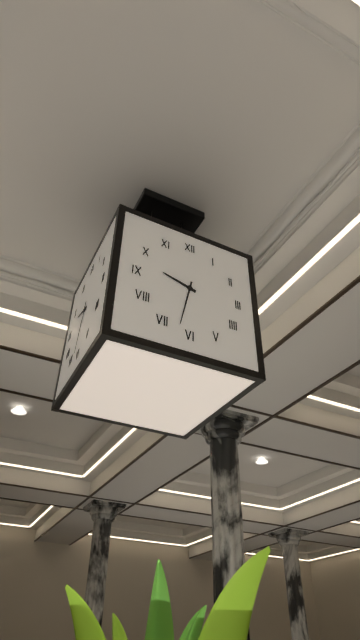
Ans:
h=9 m=32
